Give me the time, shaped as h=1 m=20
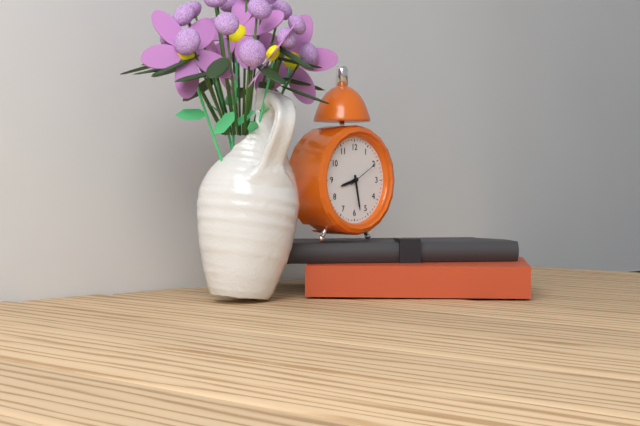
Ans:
h=8 m=28
